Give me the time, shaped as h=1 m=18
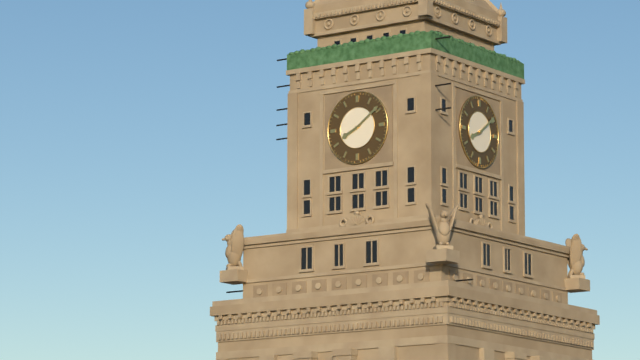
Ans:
h=8 m=9
